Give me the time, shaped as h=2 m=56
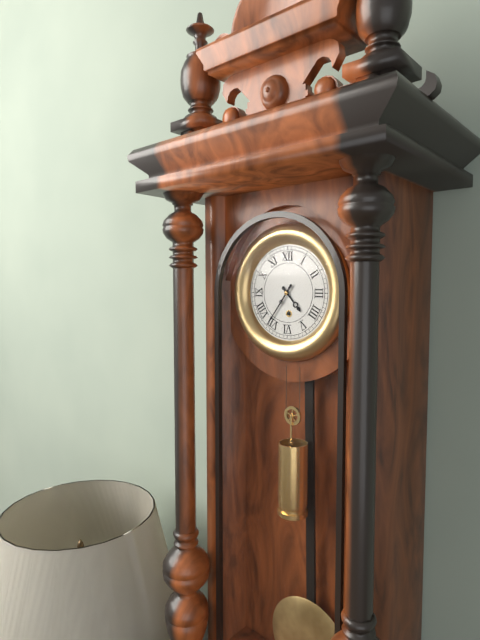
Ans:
h=4 m=36
